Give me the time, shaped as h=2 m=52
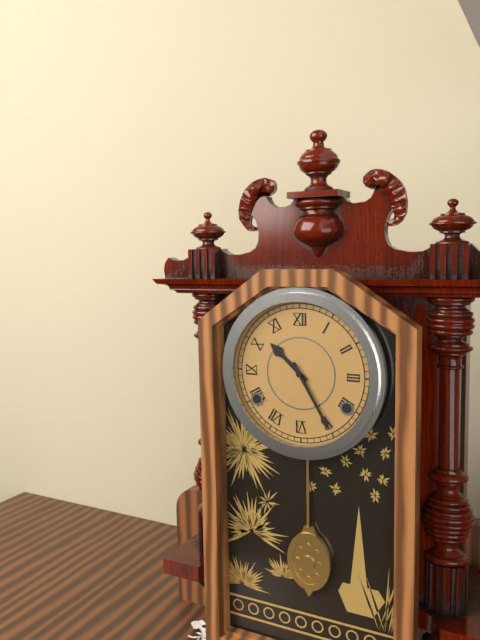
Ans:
h=10 m=25
